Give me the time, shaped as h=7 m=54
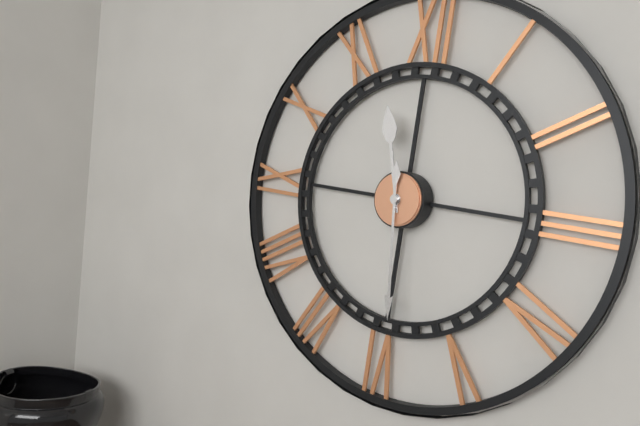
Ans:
h=11 m=29
